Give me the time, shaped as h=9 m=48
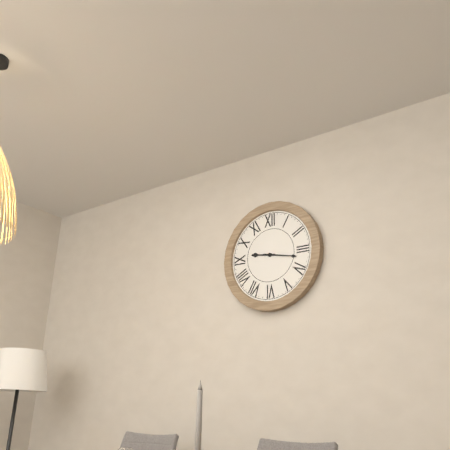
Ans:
h=9 m=17
